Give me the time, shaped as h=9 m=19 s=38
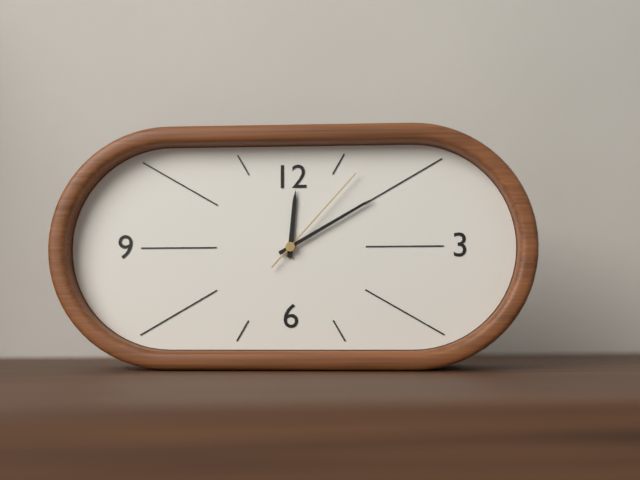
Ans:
h=12 m=10 s=7
